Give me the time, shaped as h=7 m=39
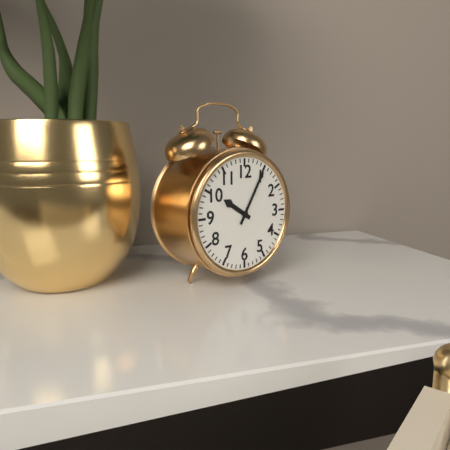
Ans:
h=10 m=5
